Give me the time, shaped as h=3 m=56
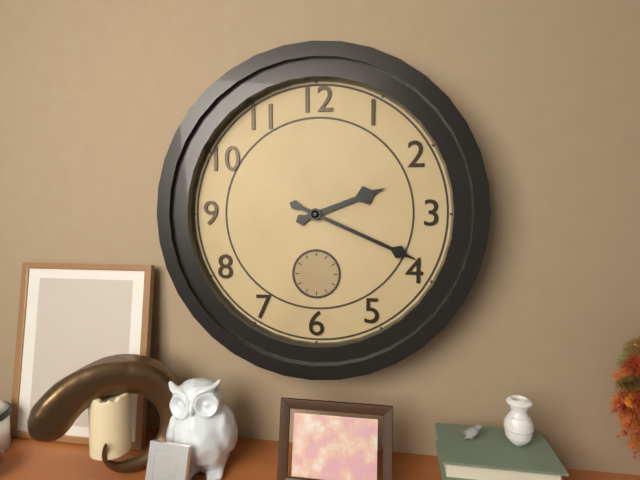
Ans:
h=2 m=19
